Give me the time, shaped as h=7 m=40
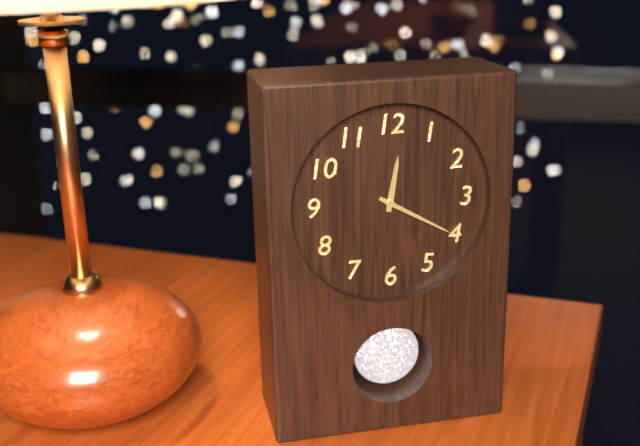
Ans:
h=12 m=20
